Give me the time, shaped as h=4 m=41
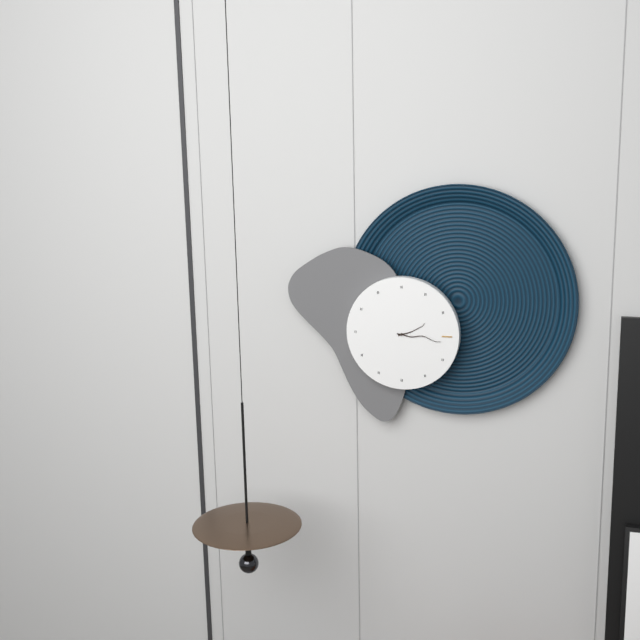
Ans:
h=2 m=16
